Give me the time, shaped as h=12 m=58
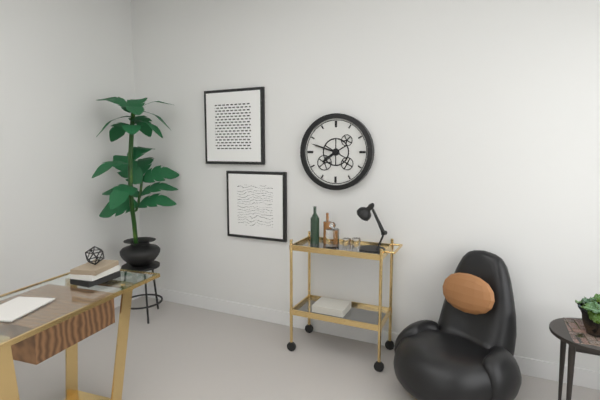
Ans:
h=7 m=48
